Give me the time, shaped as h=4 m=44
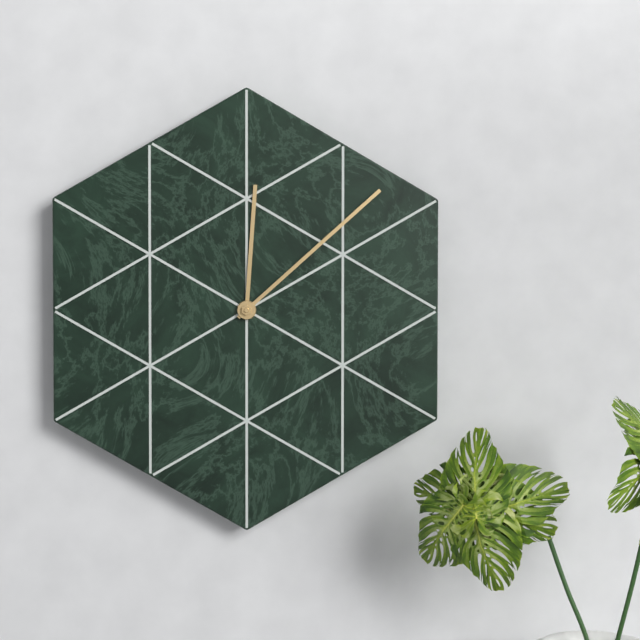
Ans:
h=12 m=8
